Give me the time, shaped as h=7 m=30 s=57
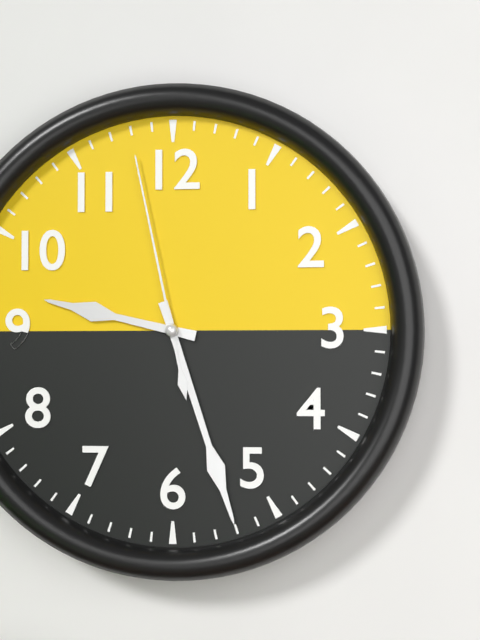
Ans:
h=9 m=27 s=58
